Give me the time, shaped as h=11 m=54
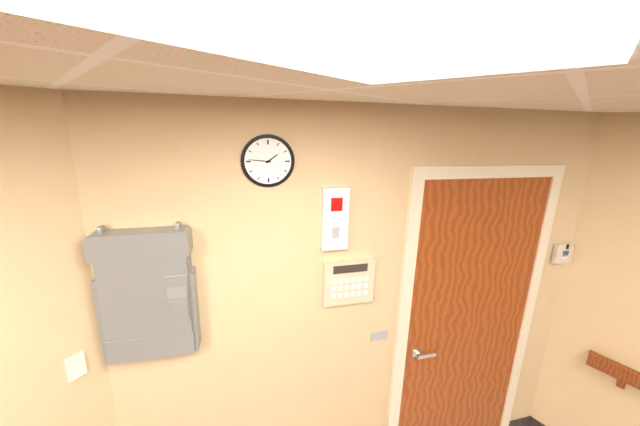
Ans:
h=1 m=46
